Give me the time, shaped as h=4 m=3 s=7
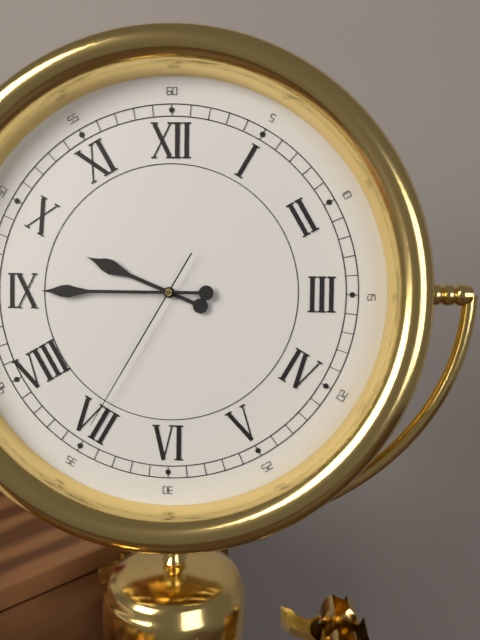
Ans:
h=9 m=45 s=35
